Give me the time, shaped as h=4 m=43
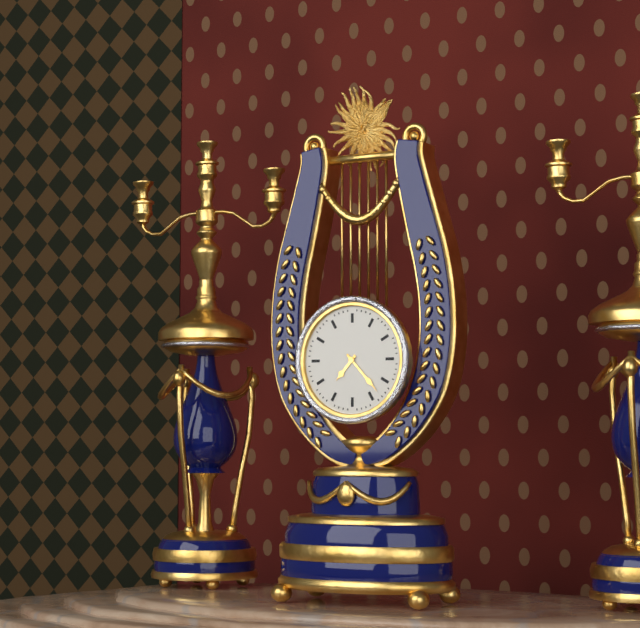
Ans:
h=7 m=23
